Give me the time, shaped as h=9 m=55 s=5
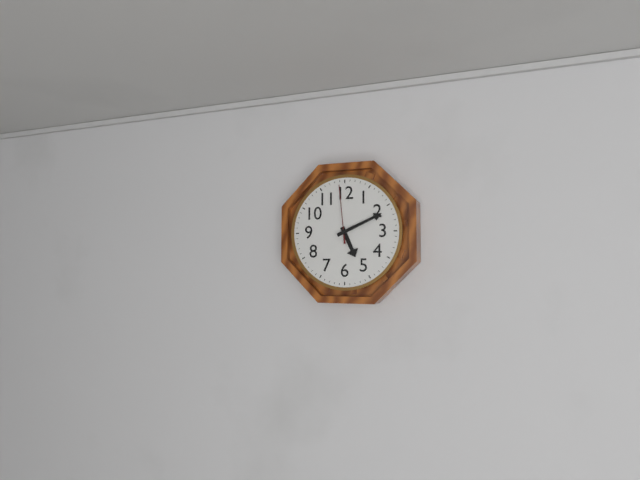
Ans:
h=5 m=11 s=59
